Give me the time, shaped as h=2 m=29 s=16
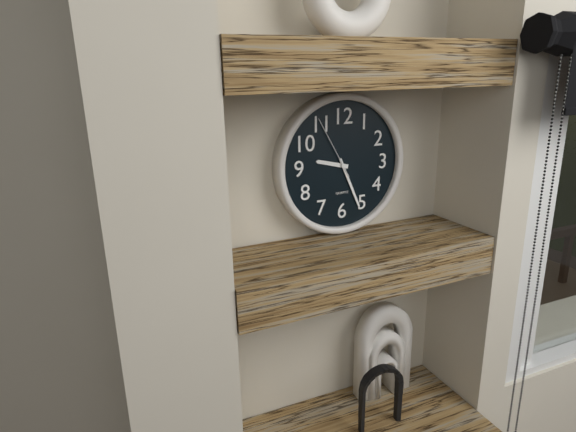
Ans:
h=9 m=26 s=55
